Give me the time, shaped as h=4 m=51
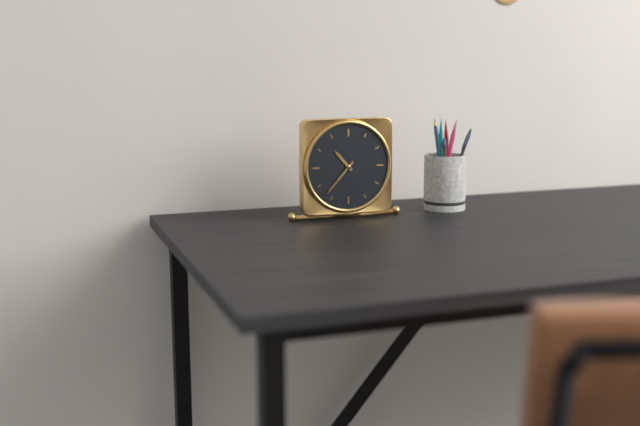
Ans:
h=10 m=37
